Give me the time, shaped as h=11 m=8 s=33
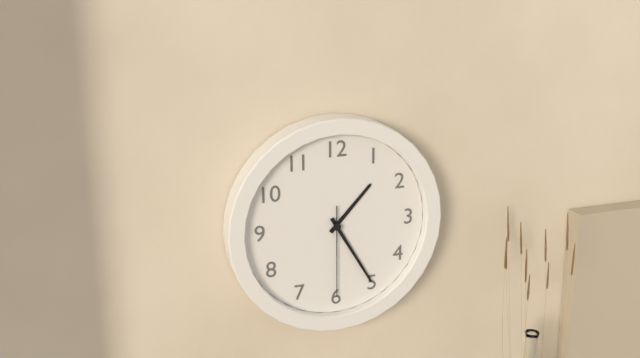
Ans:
h=1 m=25 s=30
